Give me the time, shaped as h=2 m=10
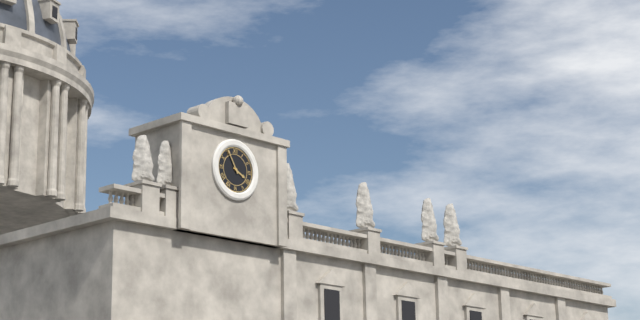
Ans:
h=3 m=55
